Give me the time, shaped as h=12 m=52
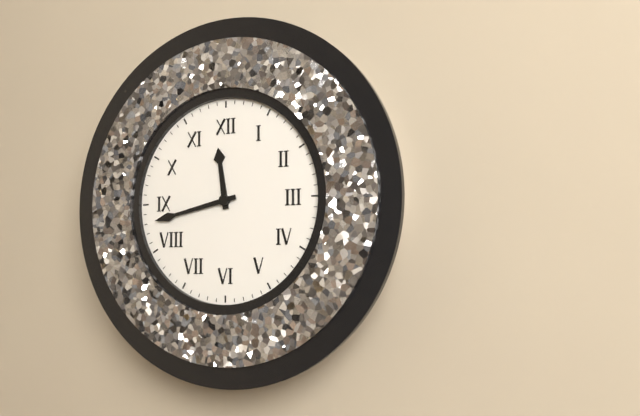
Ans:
h=11 m=43
